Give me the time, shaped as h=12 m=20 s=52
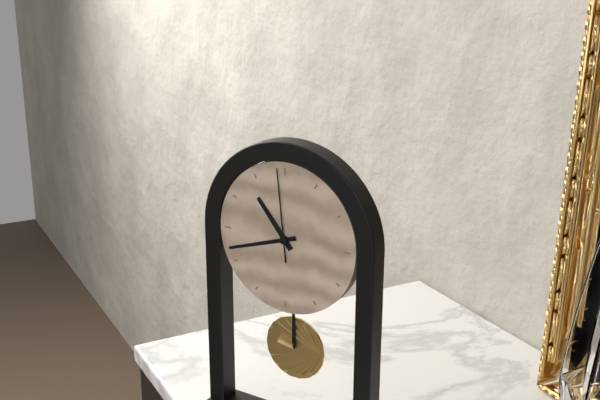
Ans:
h=10 m=42 s=59
